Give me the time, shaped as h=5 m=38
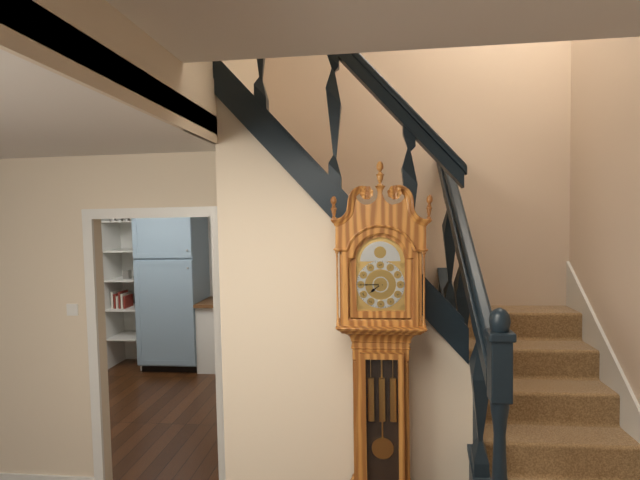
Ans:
h=7 m=45
